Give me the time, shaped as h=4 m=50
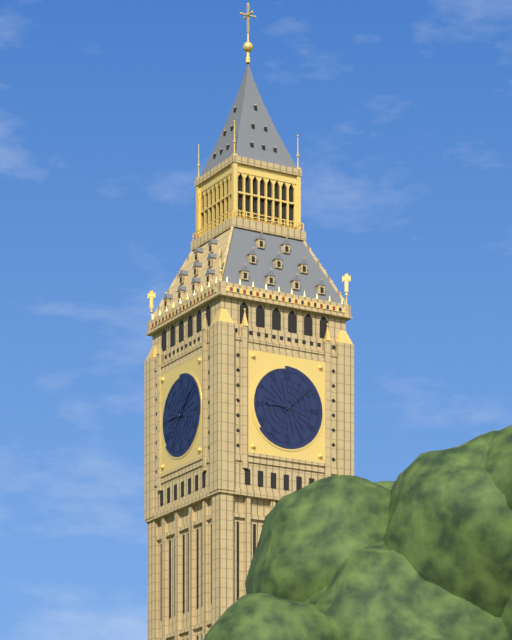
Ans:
h=9 m=8
